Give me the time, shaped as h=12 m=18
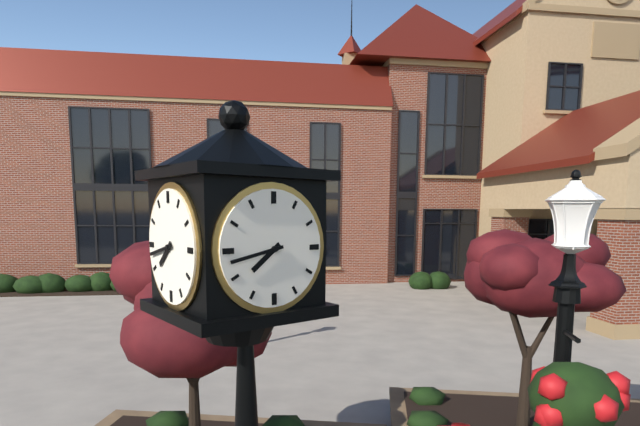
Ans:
h=7 m=43
